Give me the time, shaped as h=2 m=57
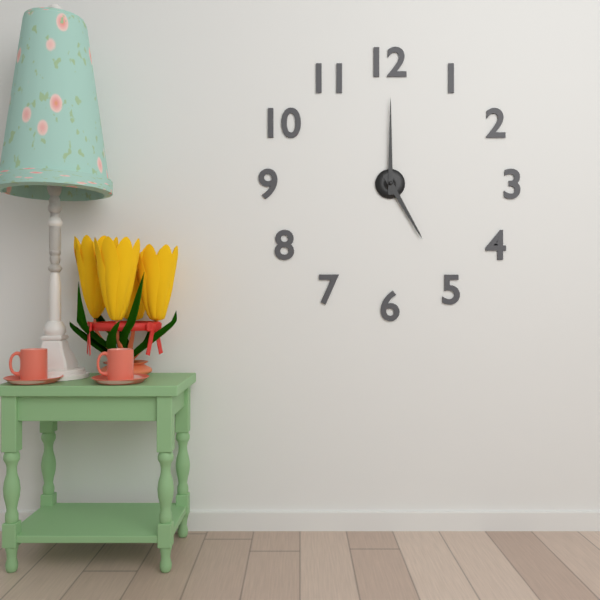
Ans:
h=5 m=0
